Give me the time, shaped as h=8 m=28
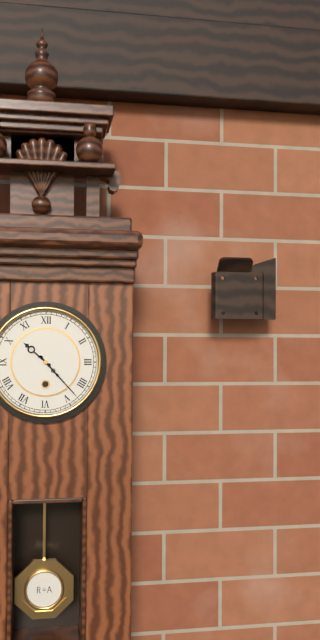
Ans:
h=10 m=23
